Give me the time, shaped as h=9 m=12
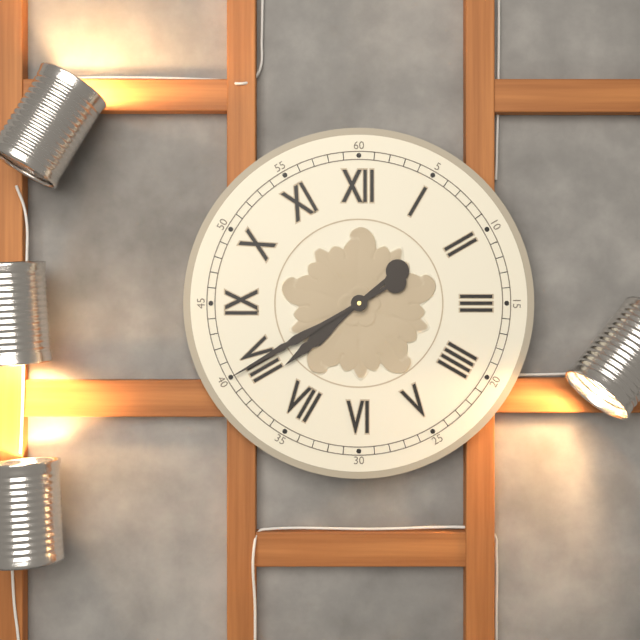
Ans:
h=7 m=40
